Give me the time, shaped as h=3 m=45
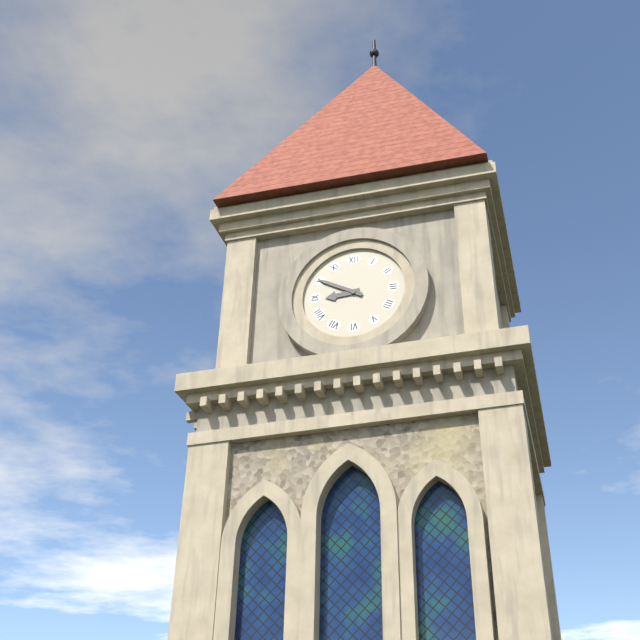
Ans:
h=8 m=50
